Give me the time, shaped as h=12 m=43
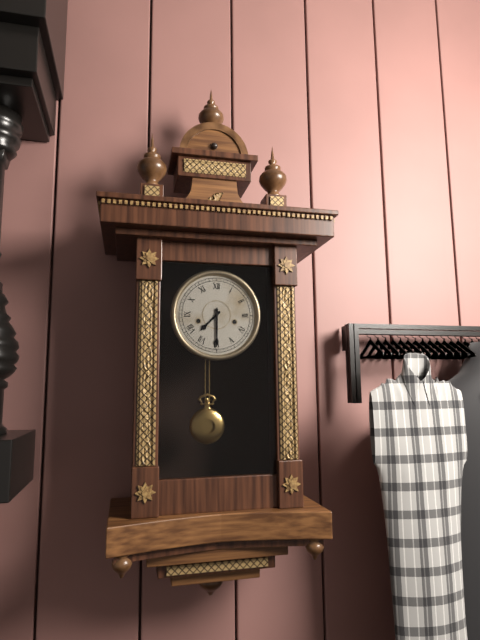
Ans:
h=7 m=30
